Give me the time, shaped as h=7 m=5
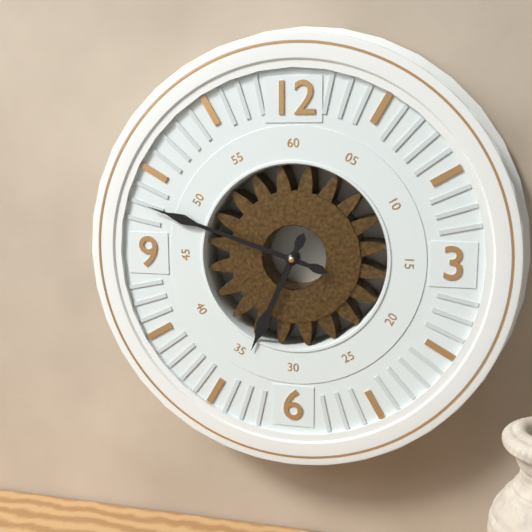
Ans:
h=6 m=48
